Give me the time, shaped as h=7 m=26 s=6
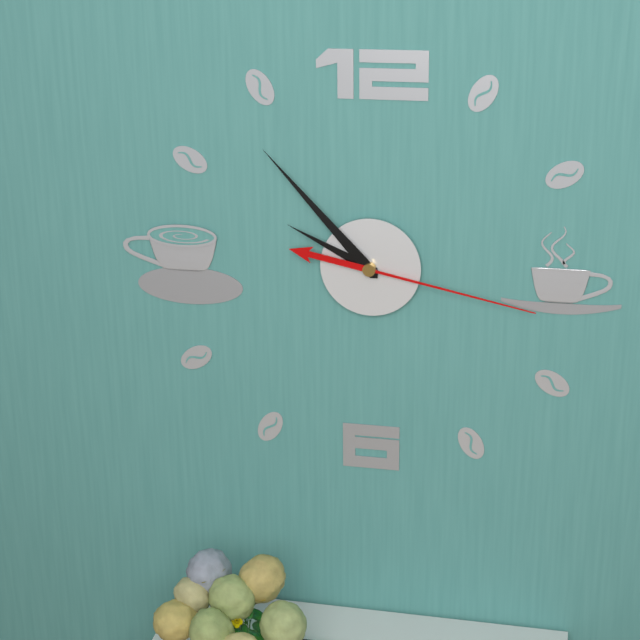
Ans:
h=9 m=53 s=17
